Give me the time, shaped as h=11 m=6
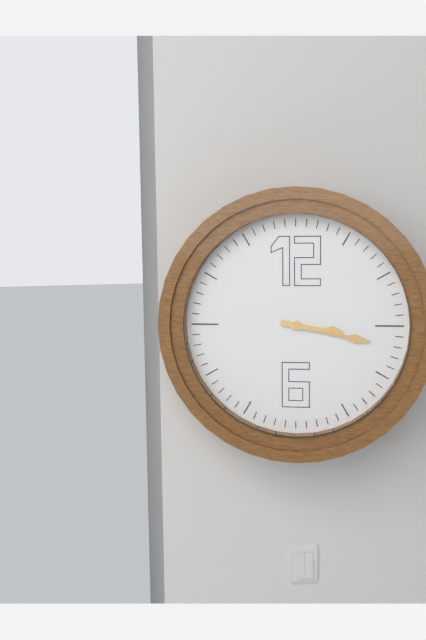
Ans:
h=3 m=17
